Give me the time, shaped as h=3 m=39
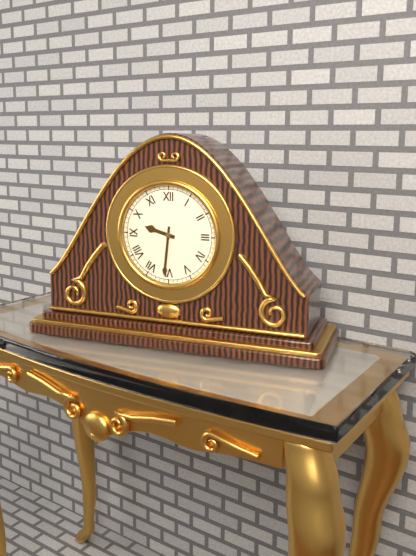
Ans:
h=9 m=31
